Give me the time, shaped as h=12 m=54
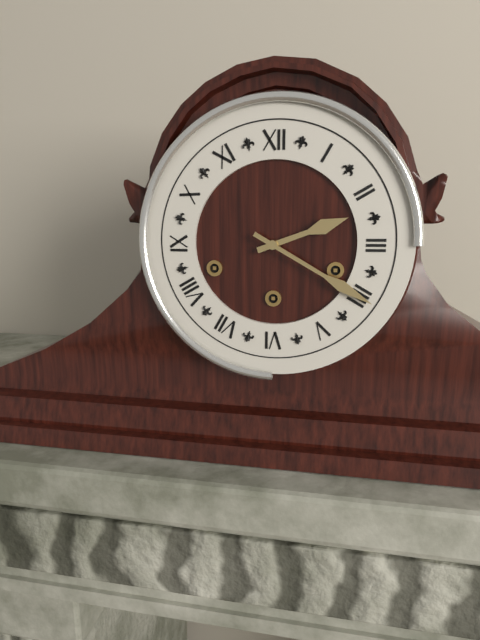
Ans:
h=2 m=20
